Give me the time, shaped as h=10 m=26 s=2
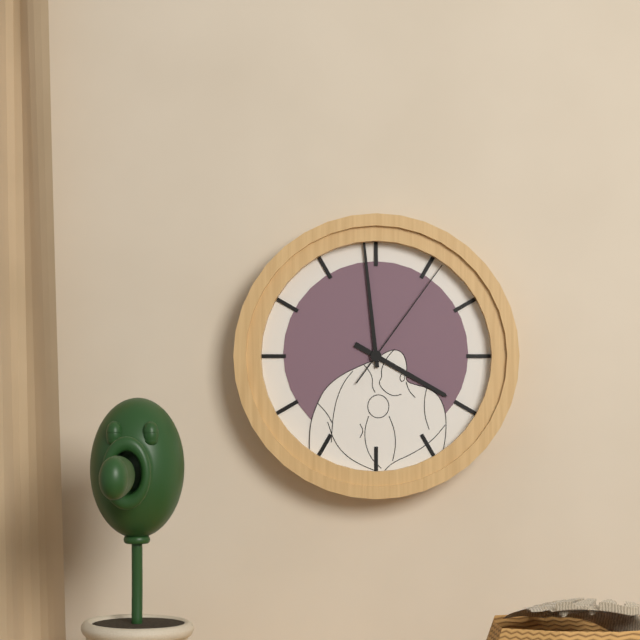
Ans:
h=3 m=59 s=6
